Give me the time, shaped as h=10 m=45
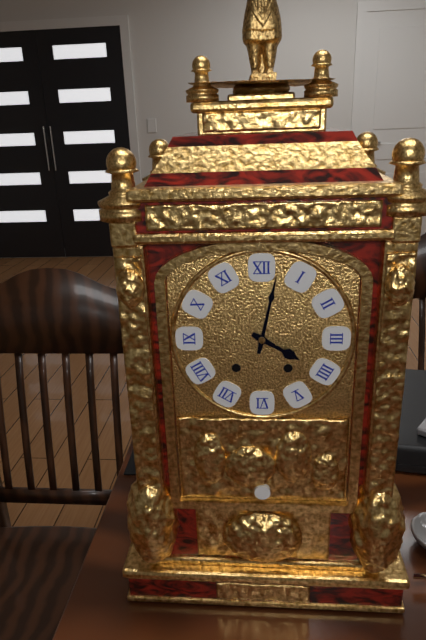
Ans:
h=4 m=2
